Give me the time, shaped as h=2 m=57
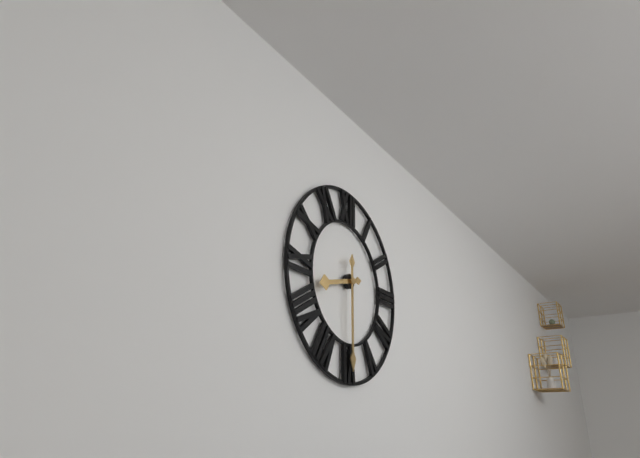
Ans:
h=8 m=30
